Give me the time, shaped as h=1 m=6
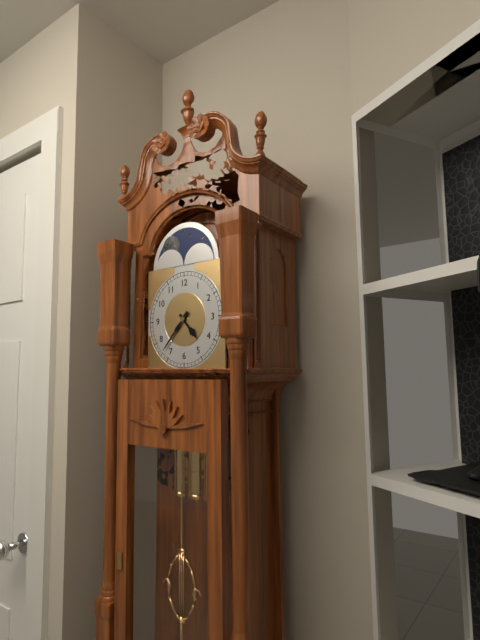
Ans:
h=4 m=37
